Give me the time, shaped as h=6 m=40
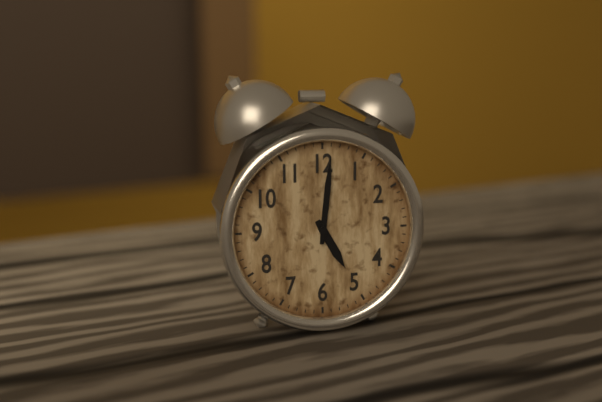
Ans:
h=5 m=1
